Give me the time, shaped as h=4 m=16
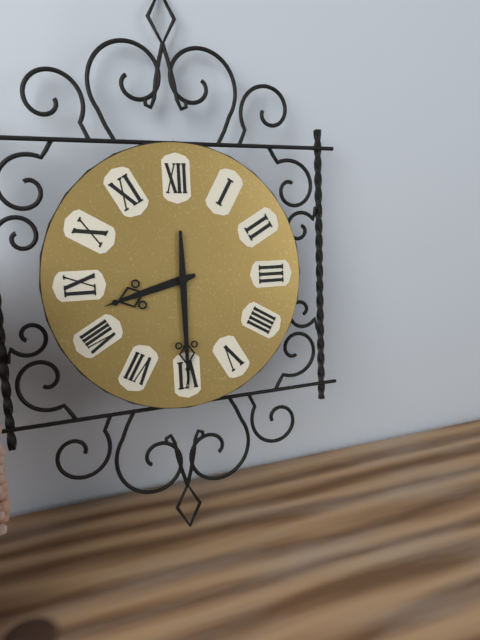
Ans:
h=8 m=30
